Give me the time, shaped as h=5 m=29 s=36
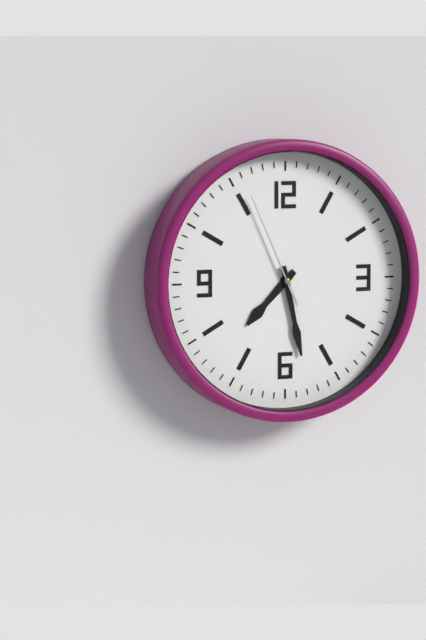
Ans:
h=7 m=28 s=56
